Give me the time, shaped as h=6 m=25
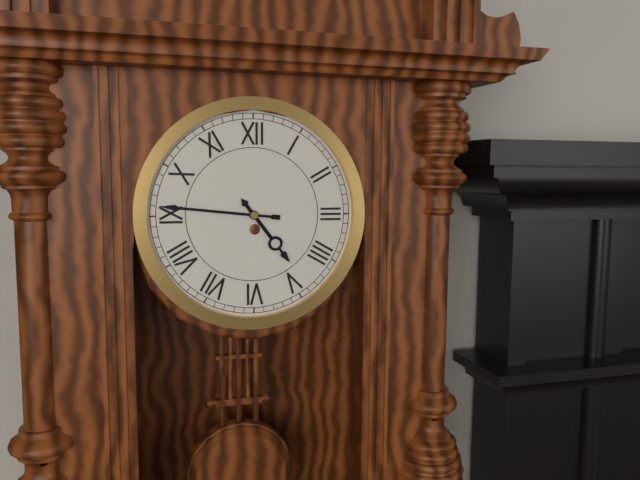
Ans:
h=4 m=46
